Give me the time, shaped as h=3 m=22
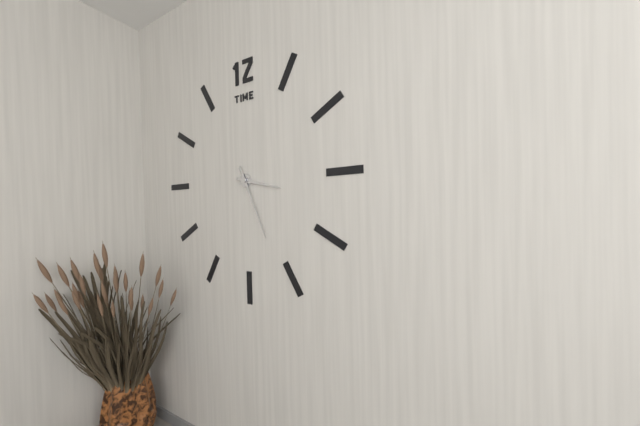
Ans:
h=3 m=26
